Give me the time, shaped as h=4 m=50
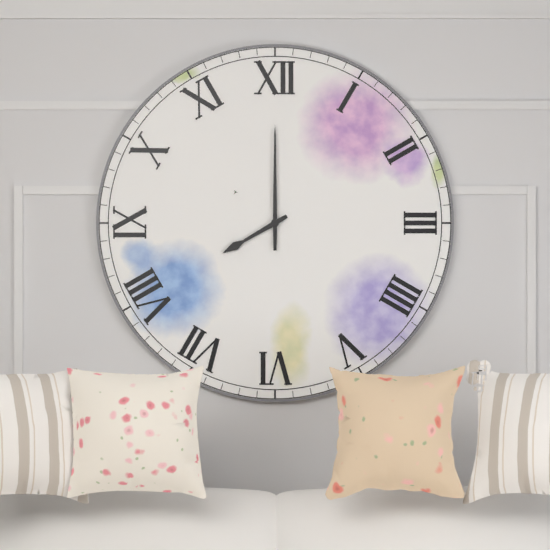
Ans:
h=8 m=0
